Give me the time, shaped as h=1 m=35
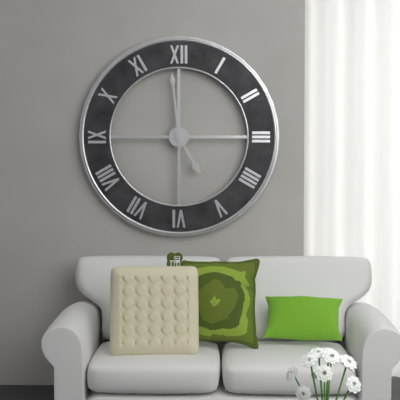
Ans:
h=4 m=59
